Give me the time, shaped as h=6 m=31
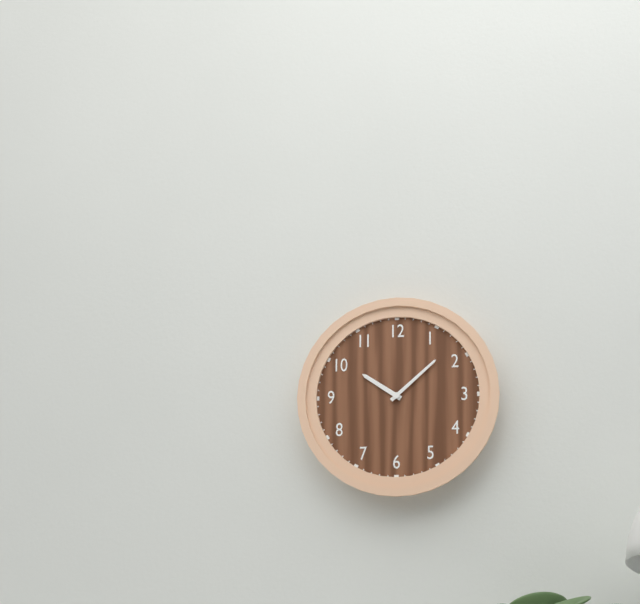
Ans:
h=10 m=8
